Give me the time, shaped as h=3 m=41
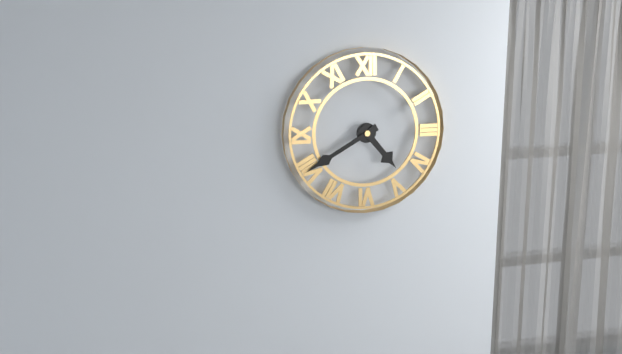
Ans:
h=4 m=40
